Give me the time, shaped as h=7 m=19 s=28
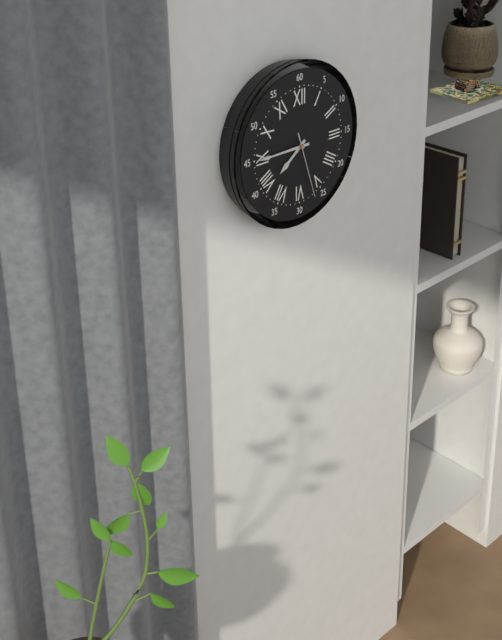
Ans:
h=7 m=45 s=27
